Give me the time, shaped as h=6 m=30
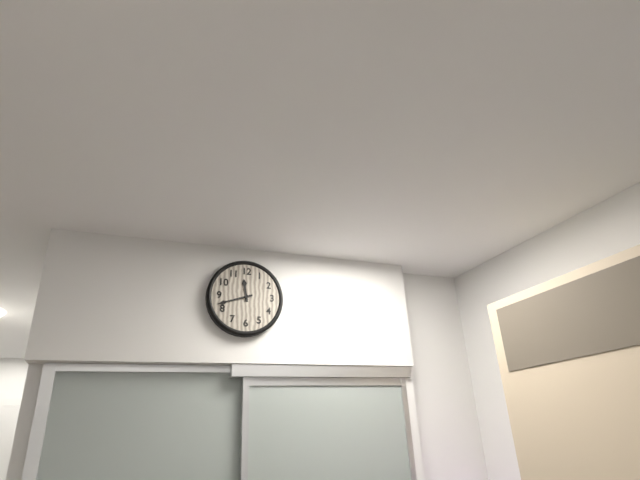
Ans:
h=11 m=42
